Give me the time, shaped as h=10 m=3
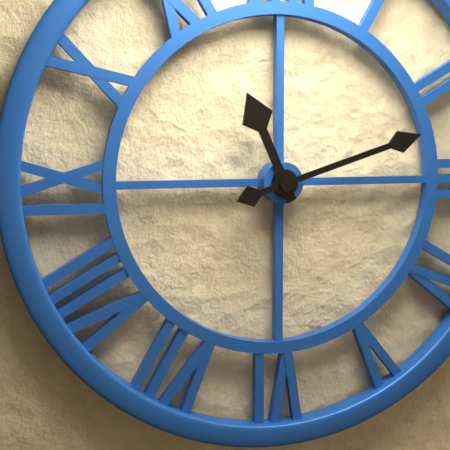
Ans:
h=11 m=12
